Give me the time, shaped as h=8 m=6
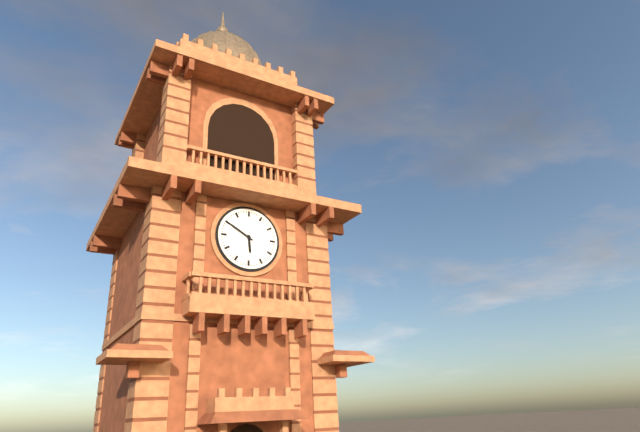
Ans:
h=5 m=50
